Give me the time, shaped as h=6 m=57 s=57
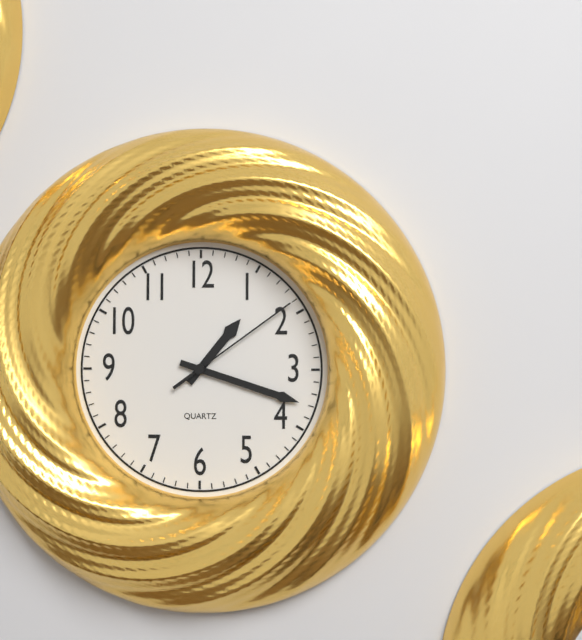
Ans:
h=1 m=18 s=9
